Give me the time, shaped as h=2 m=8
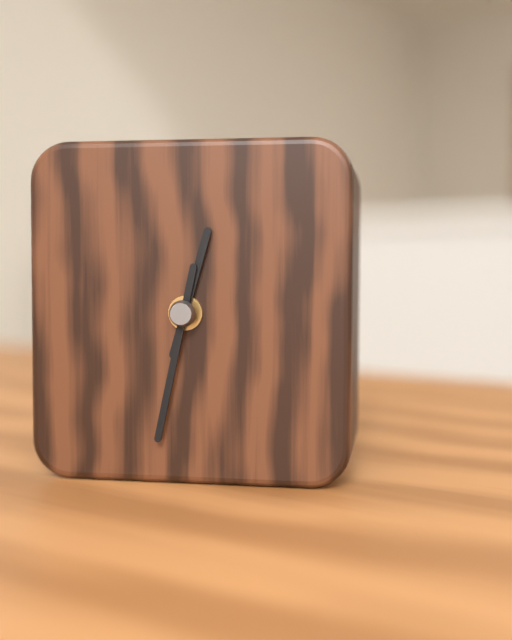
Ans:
h=12 m=32
